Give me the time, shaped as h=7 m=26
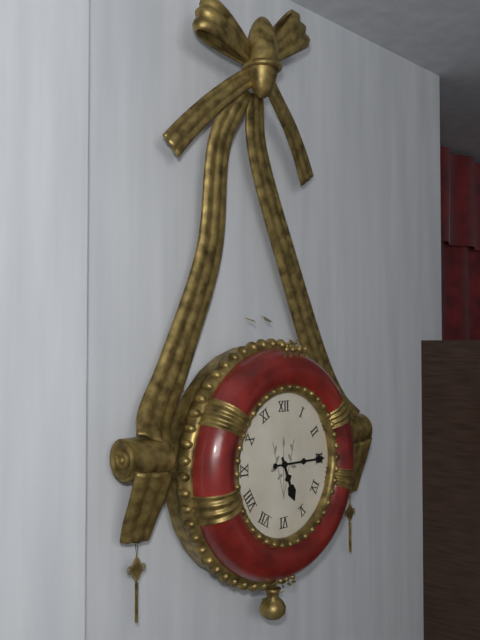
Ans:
h=5 m=15
